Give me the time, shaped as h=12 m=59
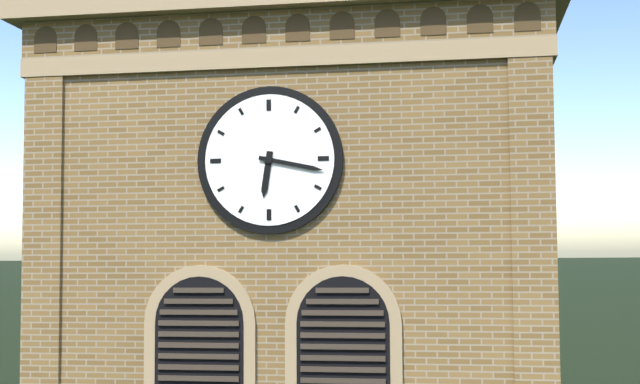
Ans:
h=6 m=17
